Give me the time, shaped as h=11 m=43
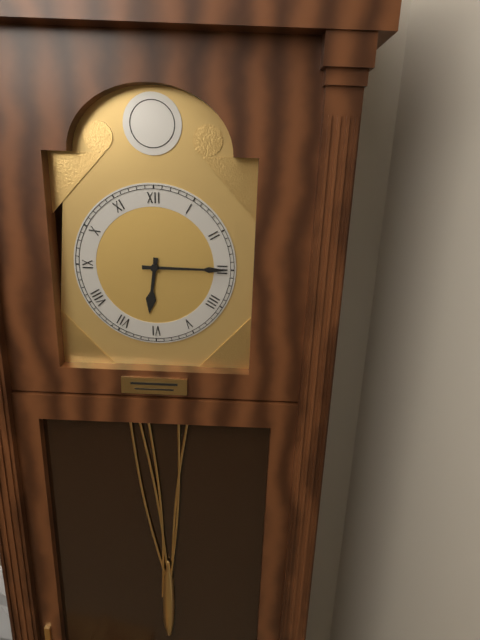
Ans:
h=6 m=15
